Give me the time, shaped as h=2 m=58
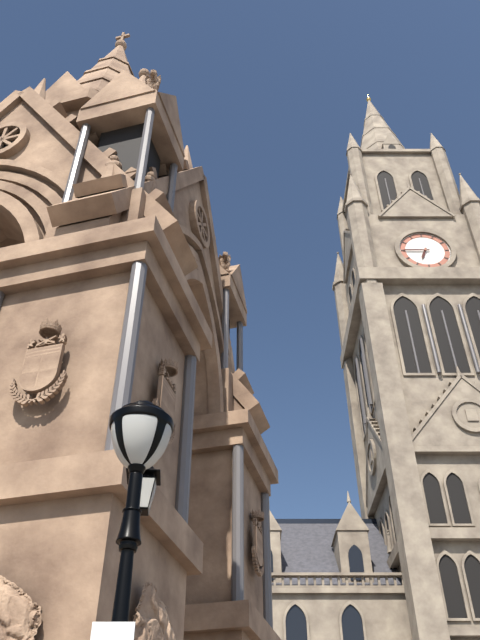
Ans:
h=6 m=45
